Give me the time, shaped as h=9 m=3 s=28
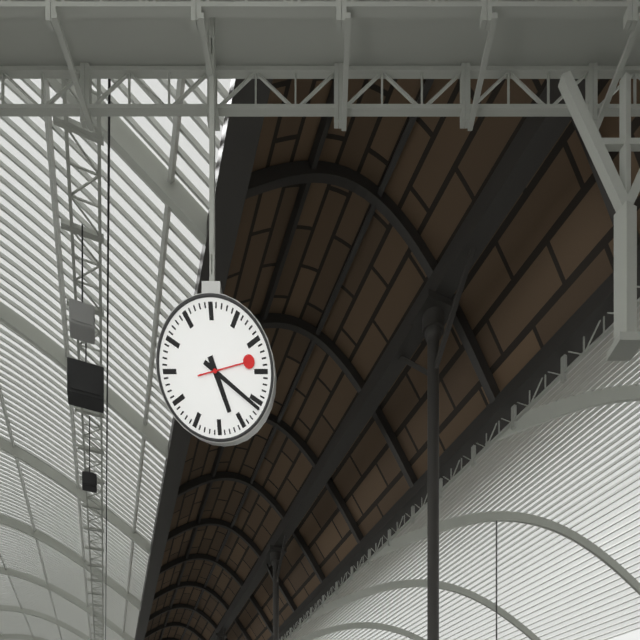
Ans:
h=5 m=21 s=13
